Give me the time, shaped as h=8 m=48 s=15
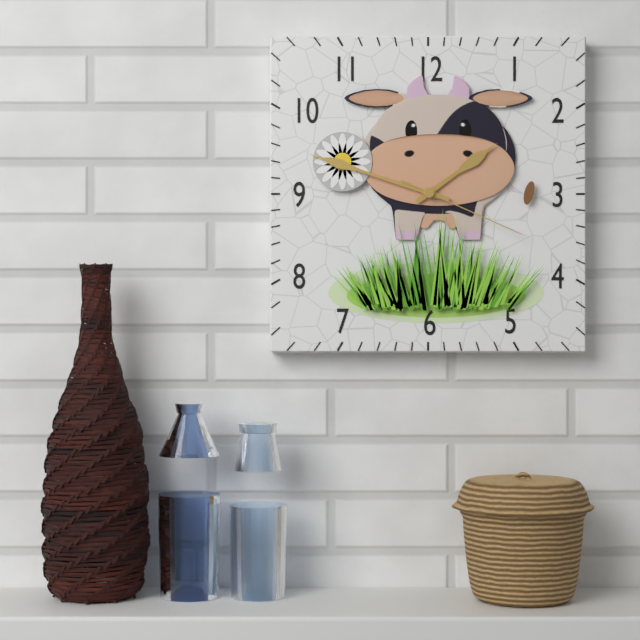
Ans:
h=1 m=48 s=19
